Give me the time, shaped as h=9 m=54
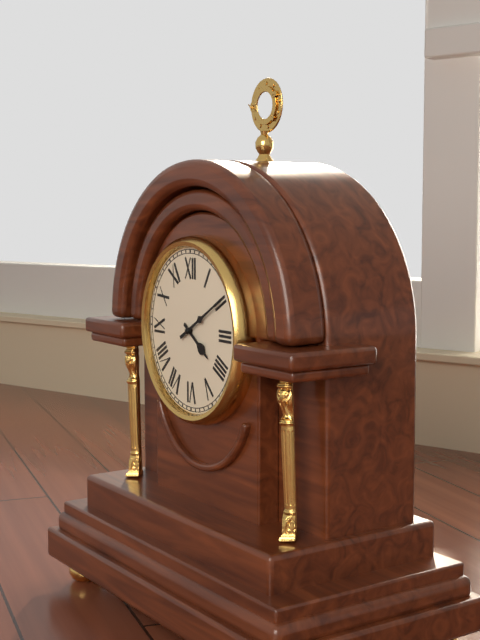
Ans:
h=4 m=10
